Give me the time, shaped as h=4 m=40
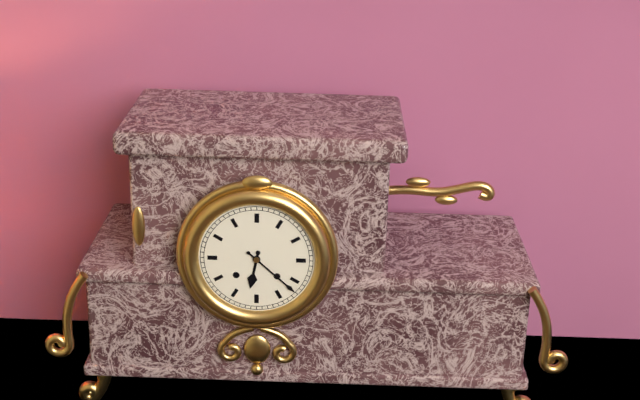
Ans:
h=6 m=22
